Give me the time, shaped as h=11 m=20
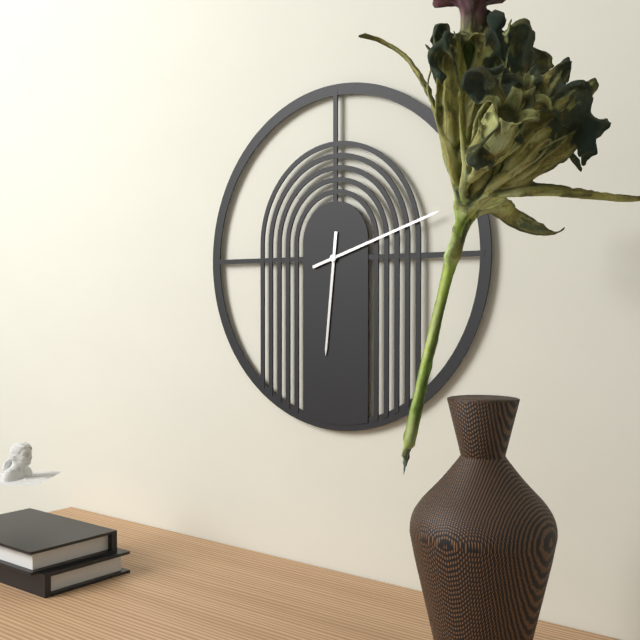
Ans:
h=6 m=12
